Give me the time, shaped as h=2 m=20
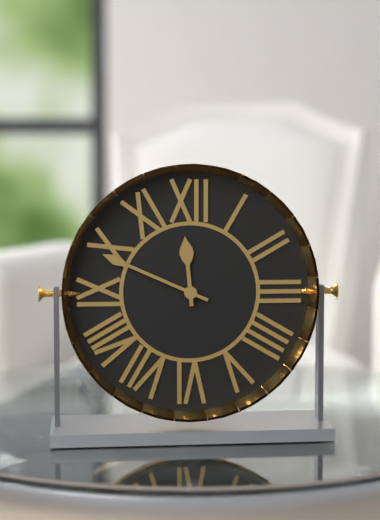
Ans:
h=11 m=49
